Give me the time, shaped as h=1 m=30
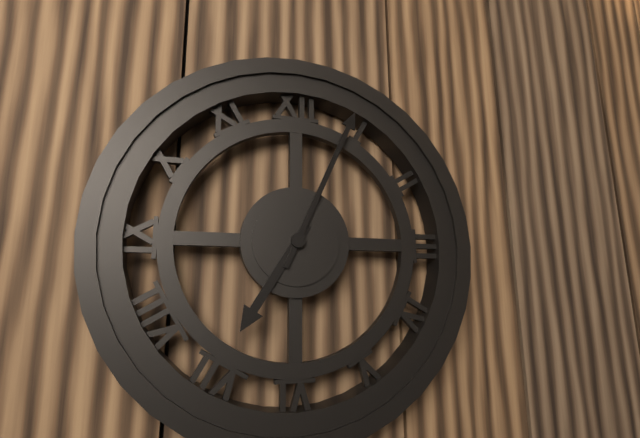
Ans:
h=7 m=4
